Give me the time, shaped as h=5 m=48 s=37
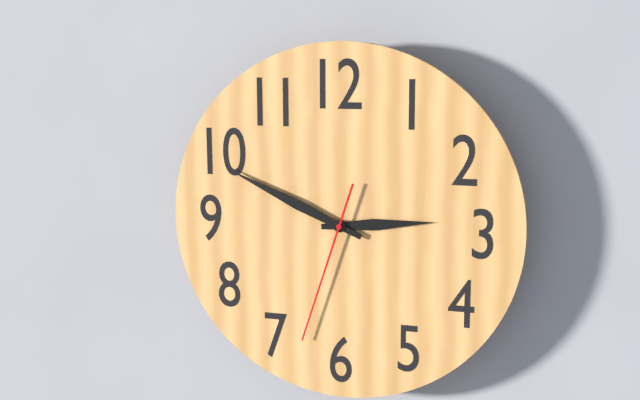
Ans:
h=2 m=49 s=33
